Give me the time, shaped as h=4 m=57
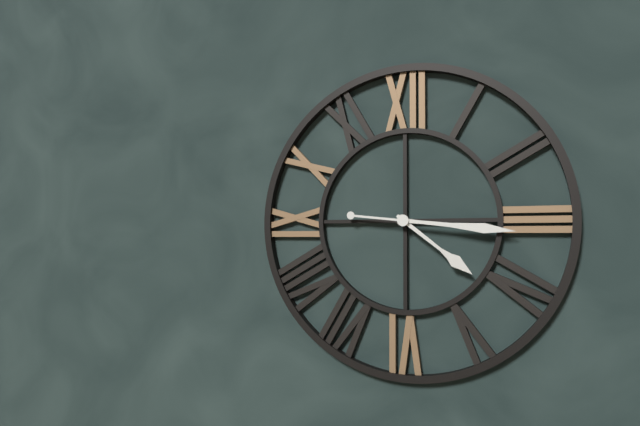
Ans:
h=4 m=16
